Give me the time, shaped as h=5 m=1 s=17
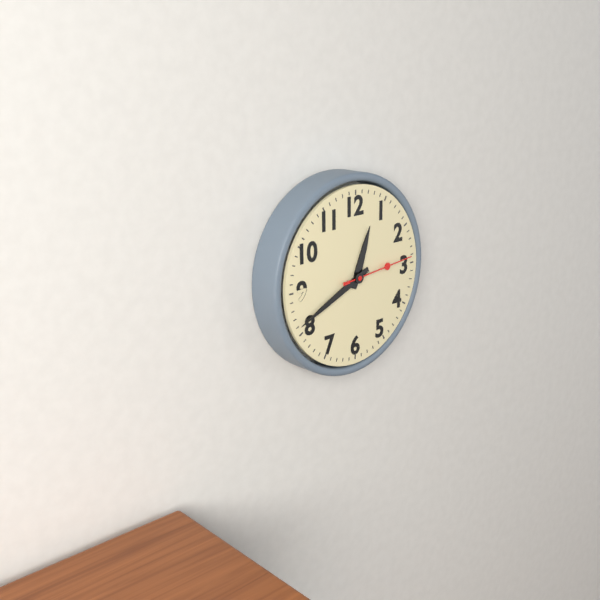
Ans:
h=12 m=41 s=14
